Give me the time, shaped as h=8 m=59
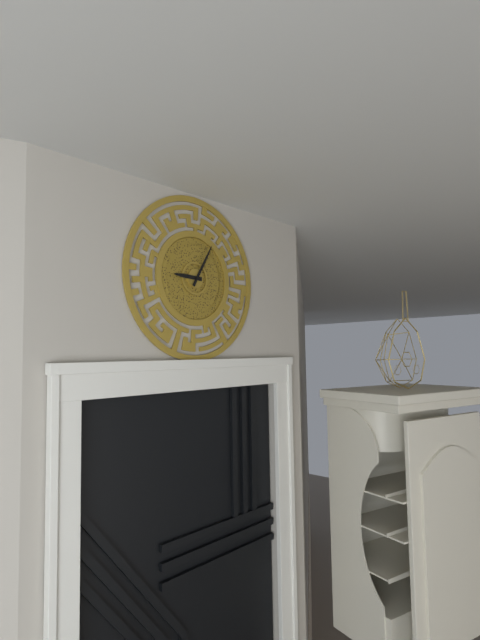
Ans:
h=9 m=5
